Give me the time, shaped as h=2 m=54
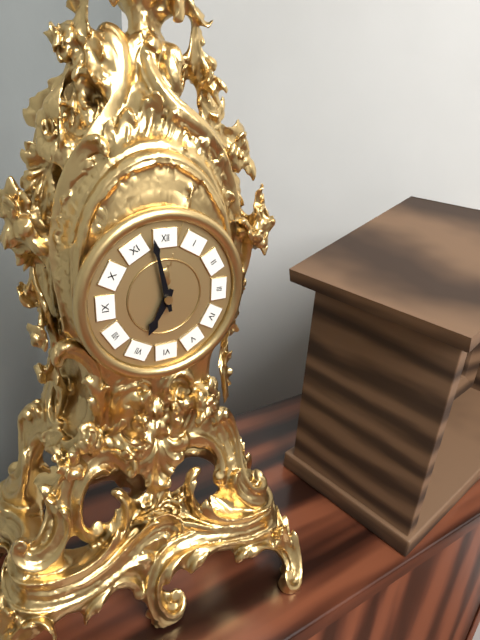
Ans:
h=6 m=58
